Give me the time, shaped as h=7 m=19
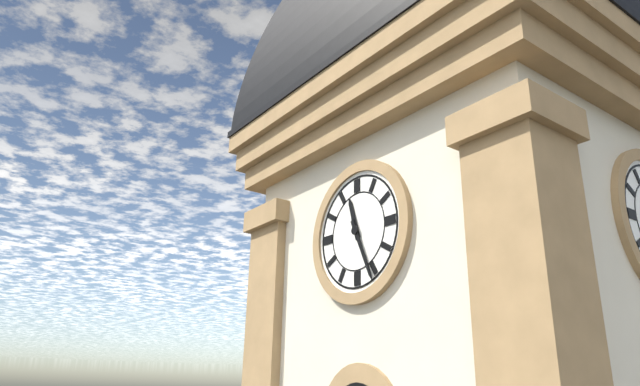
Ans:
h=11 m=26
